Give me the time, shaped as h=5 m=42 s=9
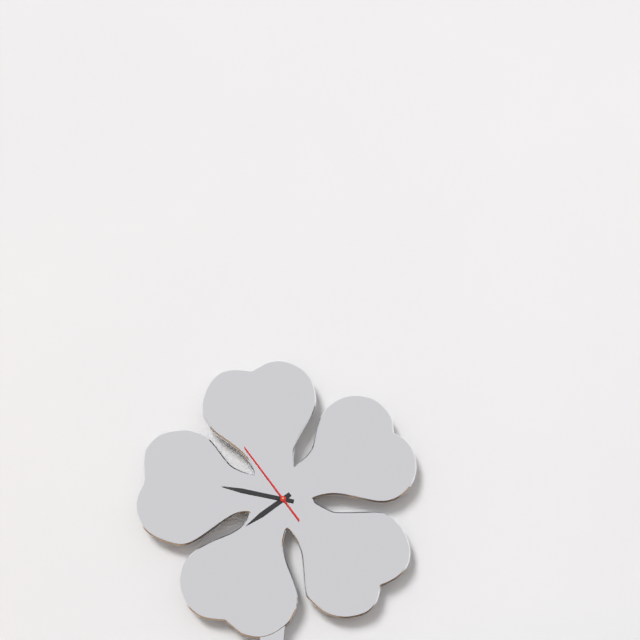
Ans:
h=7 m=47 s=54
